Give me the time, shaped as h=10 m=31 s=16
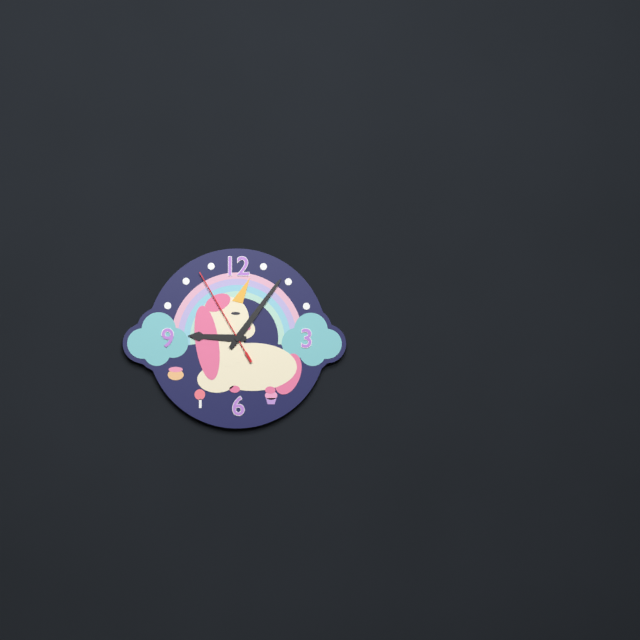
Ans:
h=9 m=6 s=55
